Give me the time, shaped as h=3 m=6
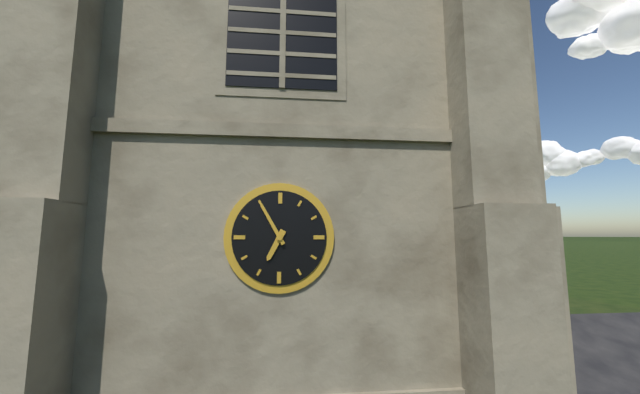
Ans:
h=6 m=55
